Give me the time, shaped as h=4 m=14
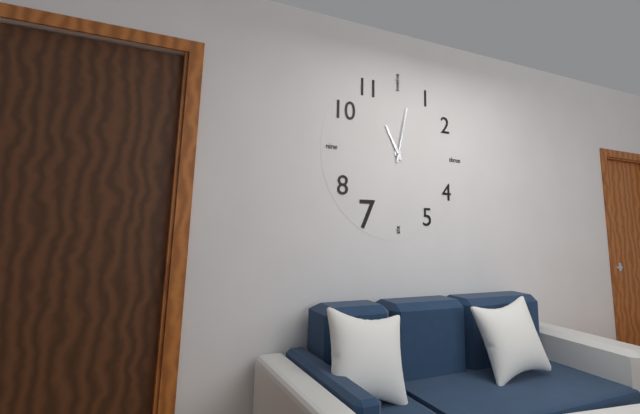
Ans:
h=11 m=2
